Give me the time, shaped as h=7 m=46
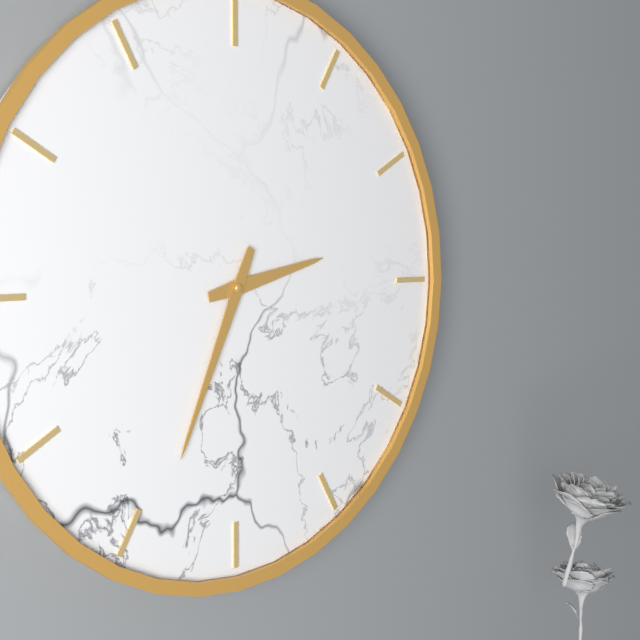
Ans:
h=2 m=34
